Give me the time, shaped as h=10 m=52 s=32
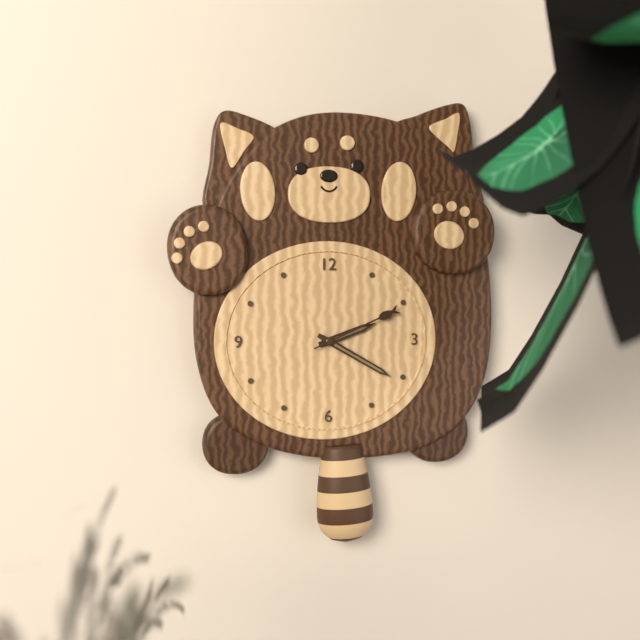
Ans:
h=2 m=20 s=11
